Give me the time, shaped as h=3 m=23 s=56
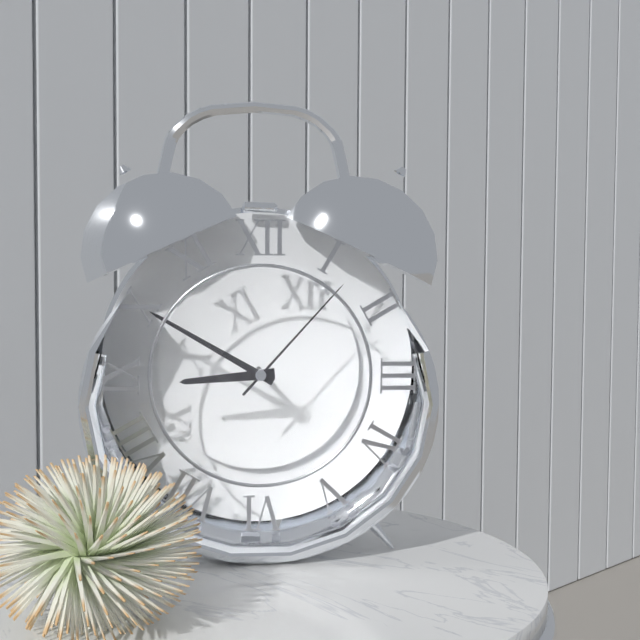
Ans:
h=8 m=50 s=7
